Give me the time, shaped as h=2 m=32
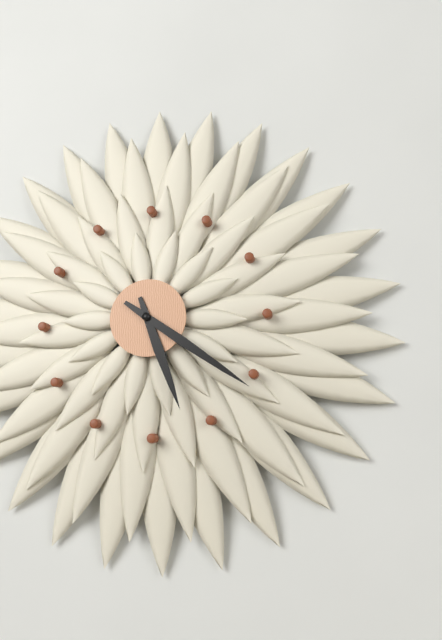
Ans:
h=5 m=21
